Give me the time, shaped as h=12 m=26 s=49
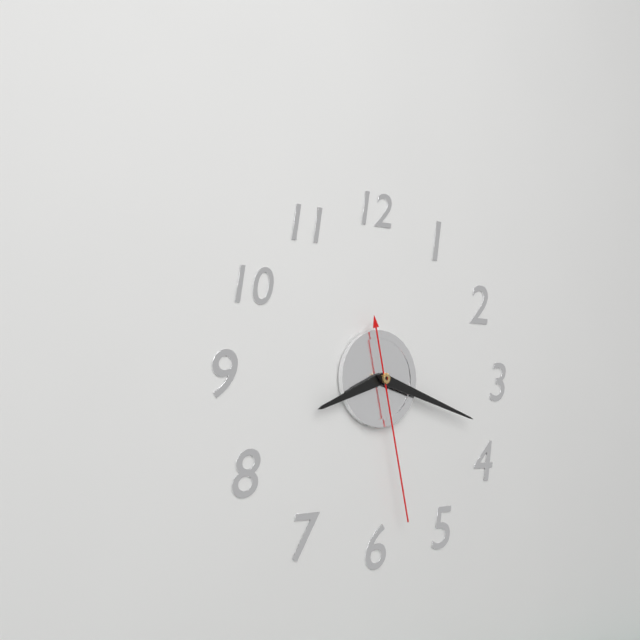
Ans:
h=8 m=18 s=28
